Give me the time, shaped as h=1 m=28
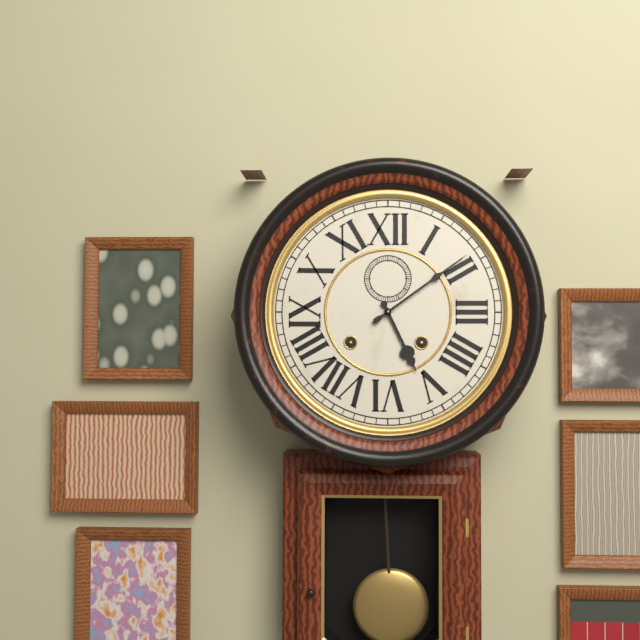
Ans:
h=5 m=9
